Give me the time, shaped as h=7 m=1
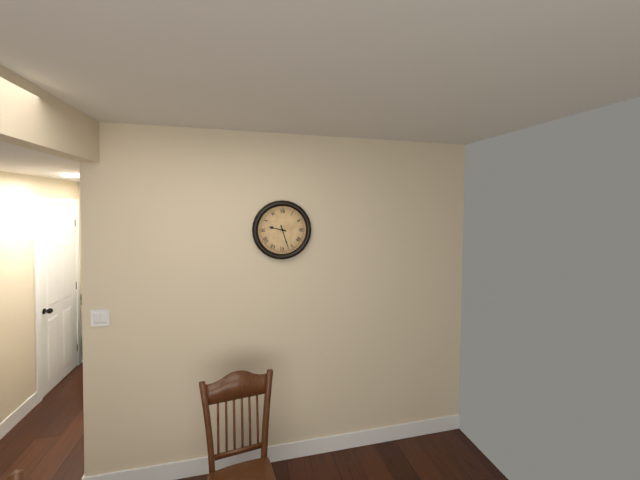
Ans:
h=9 m=27
